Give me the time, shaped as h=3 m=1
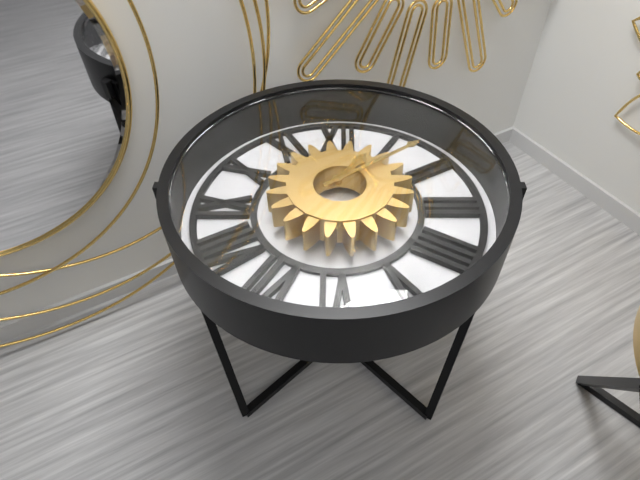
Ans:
h=1 m=9
